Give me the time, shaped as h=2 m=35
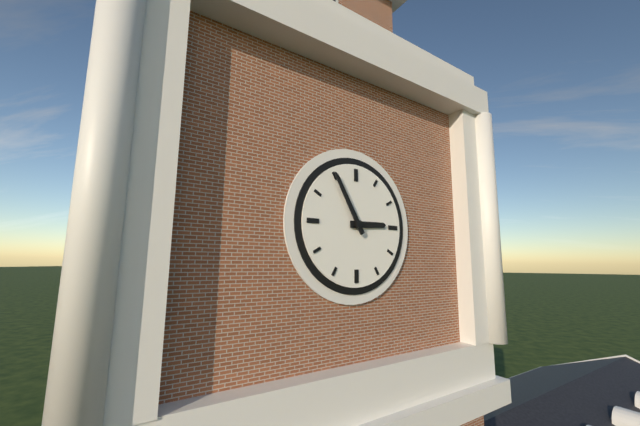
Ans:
h=2 m=55
